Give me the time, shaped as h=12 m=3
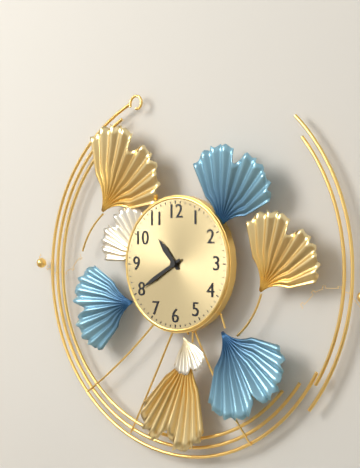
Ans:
h=10 m=40
